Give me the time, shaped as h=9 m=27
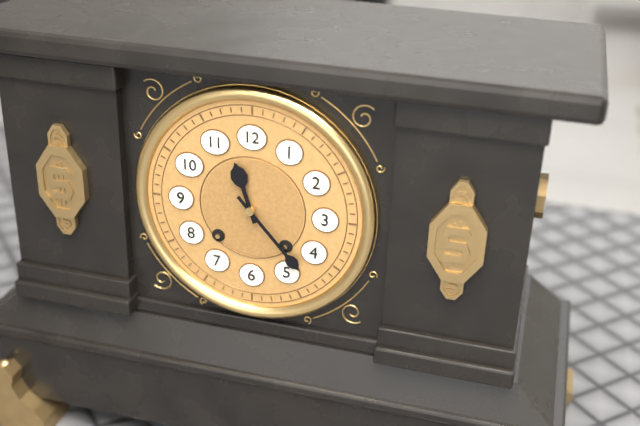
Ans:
h=11 m=23
